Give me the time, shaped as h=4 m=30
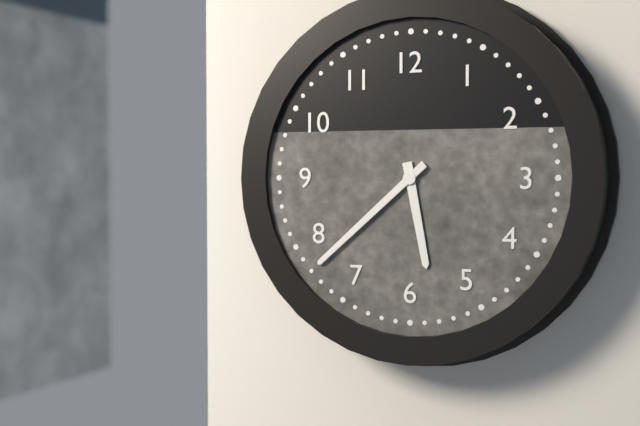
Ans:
h=5 m=38
